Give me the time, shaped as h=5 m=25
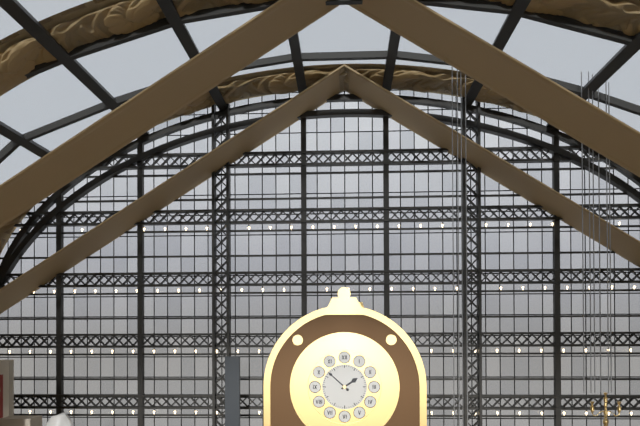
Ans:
h=1 m=52
